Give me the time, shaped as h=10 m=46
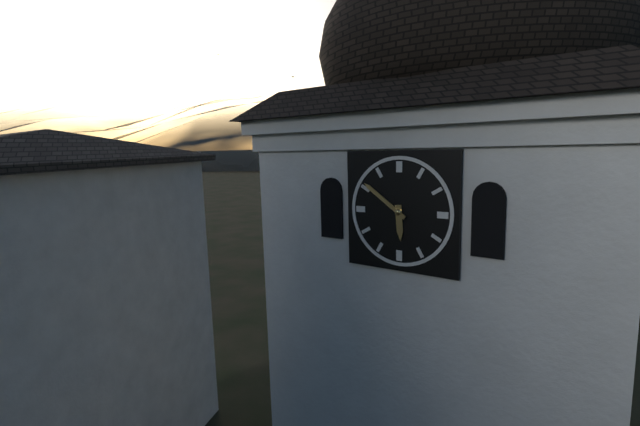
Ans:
h=5 m=51
